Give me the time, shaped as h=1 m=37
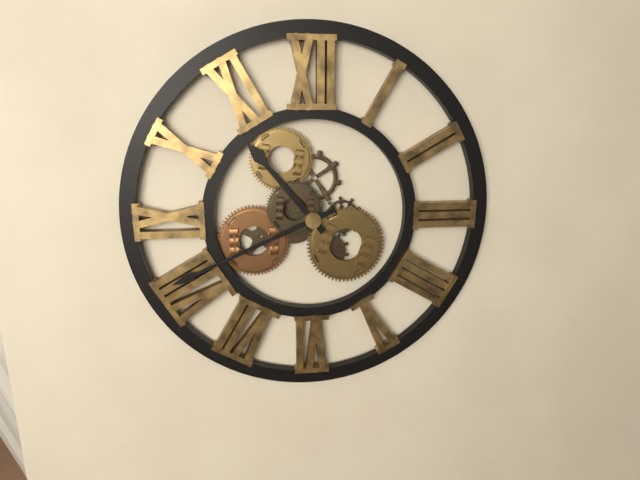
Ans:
h=10 m=41
